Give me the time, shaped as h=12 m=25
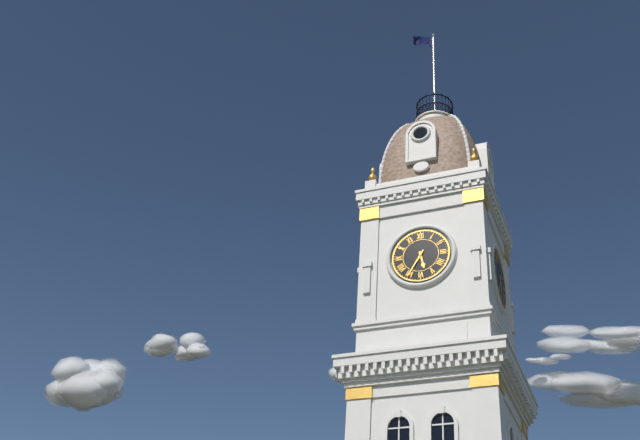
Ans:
h=5 m=35
